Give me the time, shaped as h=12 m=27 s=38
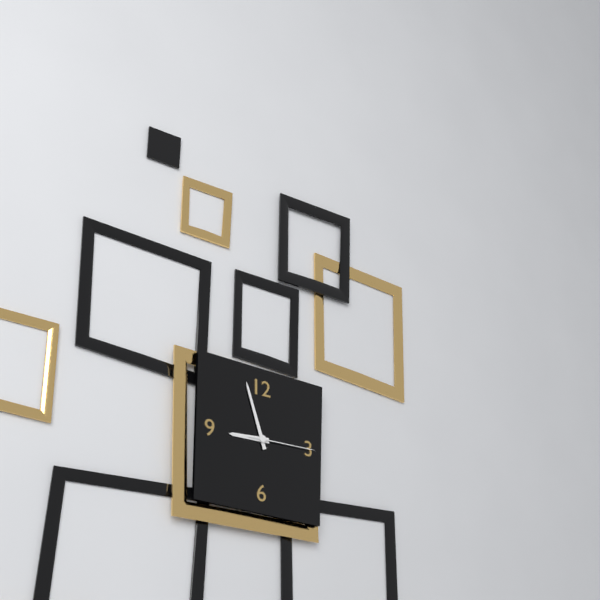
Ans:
h=8 m=57 s=15
